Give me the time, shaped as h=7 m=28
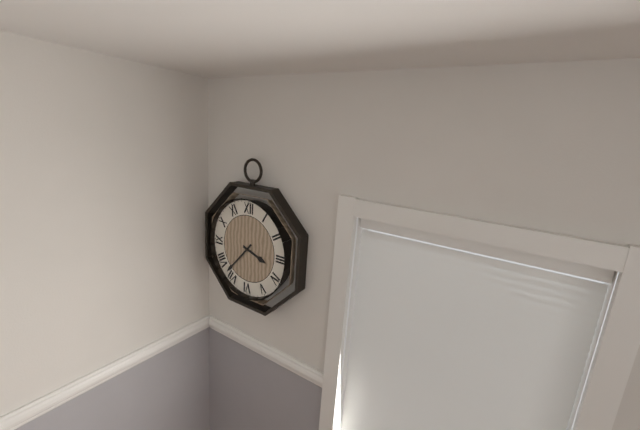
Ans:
h=3 m=37
